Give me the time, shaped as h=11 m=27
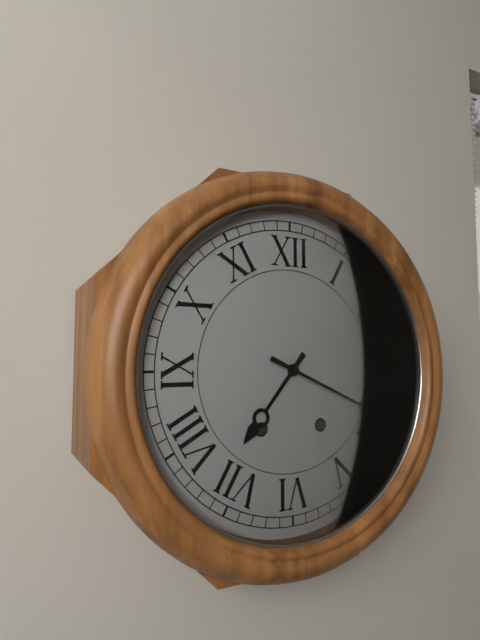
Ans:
h=7 m=19
